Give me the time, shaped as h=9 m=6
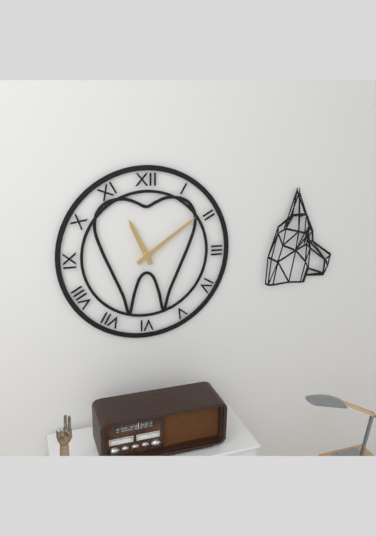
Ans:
h=11 m=9
